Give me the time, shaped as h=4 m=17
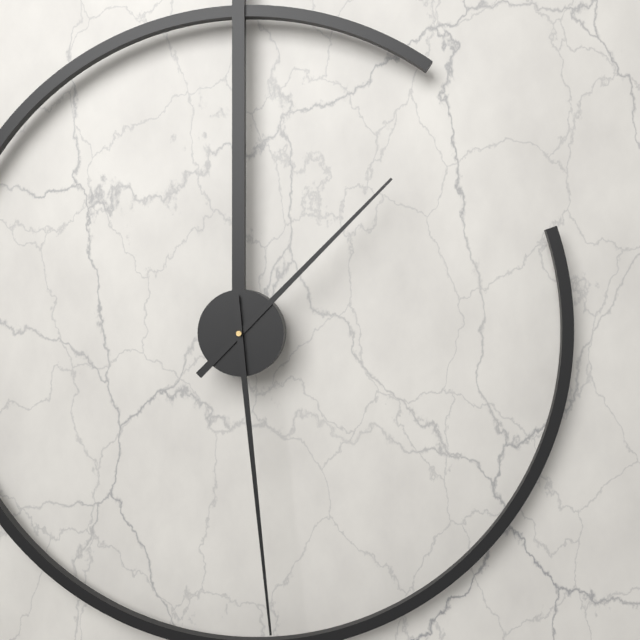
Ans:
h=1 m=29
